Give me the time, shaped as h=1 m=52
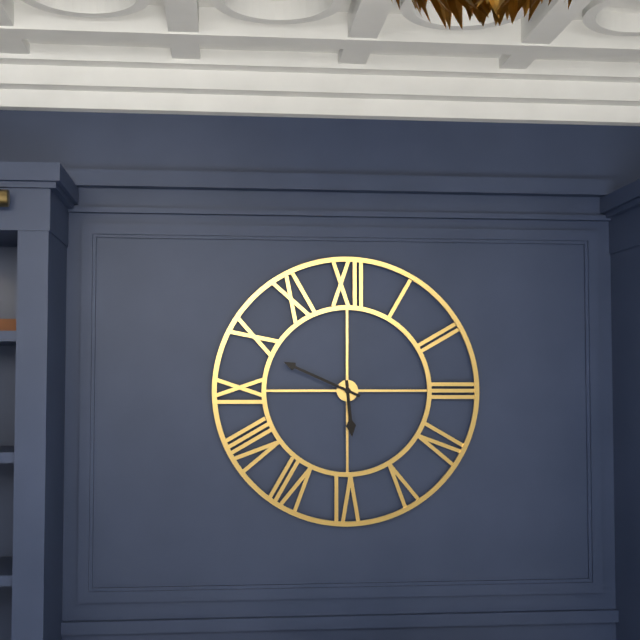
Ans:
h=5 m=49
